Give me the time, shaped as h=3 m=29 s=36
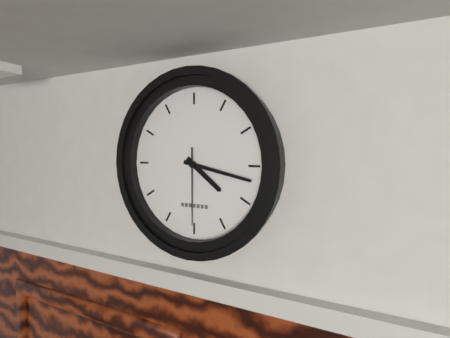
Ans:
h=4 m=17 s=30
